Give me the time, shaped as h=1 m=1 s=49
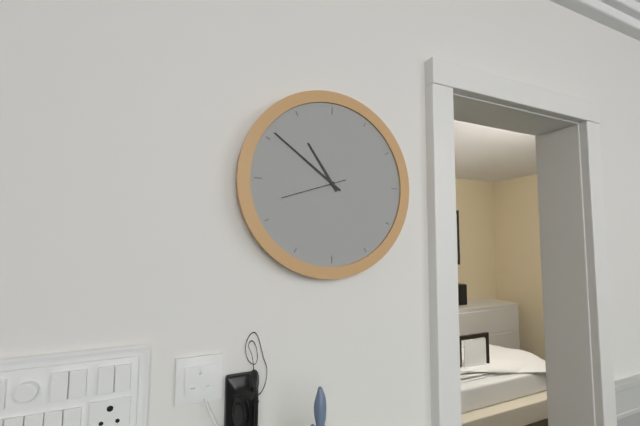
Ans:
h=10 m=51 s=42
